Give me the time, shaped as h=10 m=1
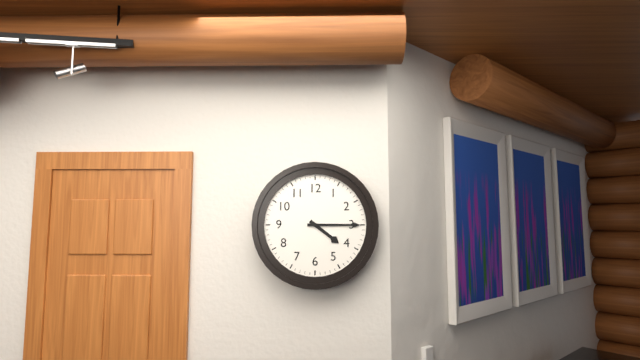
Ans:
h=4 m=15
